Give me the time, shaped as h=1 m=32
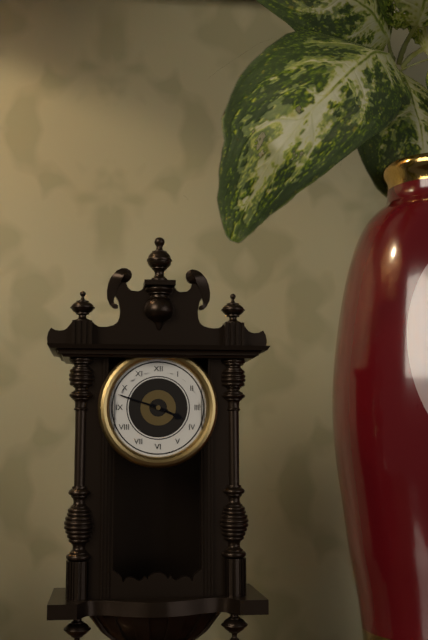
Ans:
h=3 m=48
